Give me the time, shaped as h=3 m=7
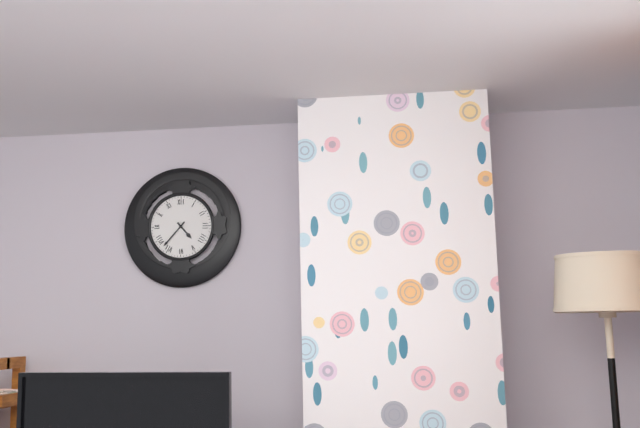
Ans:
h=4 m=37
